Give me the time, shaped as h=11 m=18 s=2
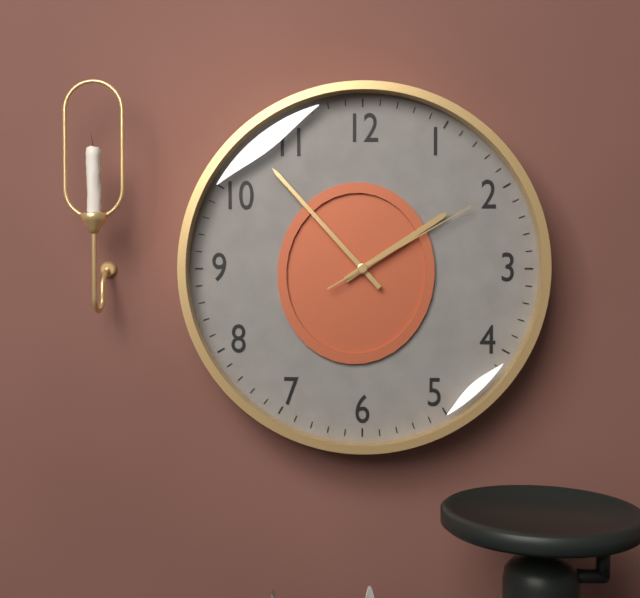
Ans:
h=1 m=53 s=10
